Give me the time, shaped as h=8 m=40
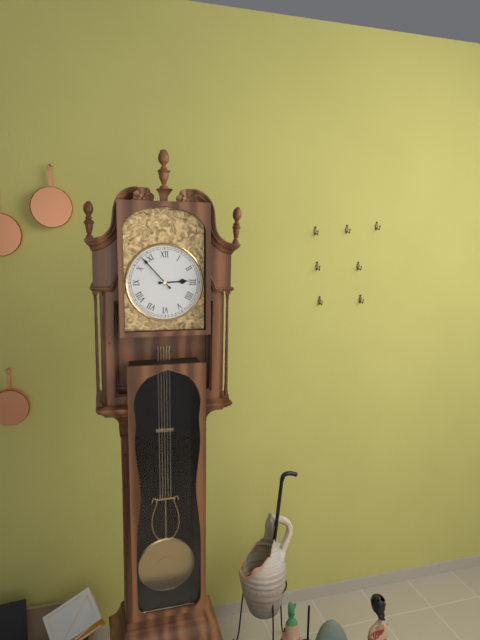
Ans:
h=2 m=53
